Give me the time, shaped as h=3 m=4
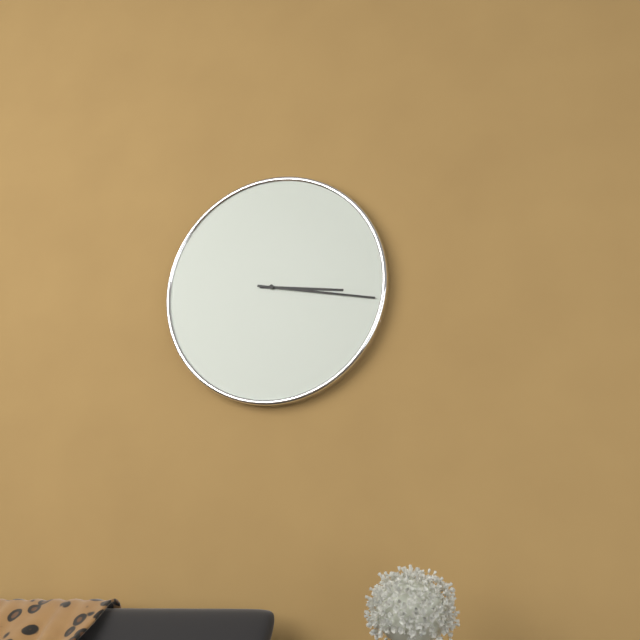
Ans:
h=3 m=17
